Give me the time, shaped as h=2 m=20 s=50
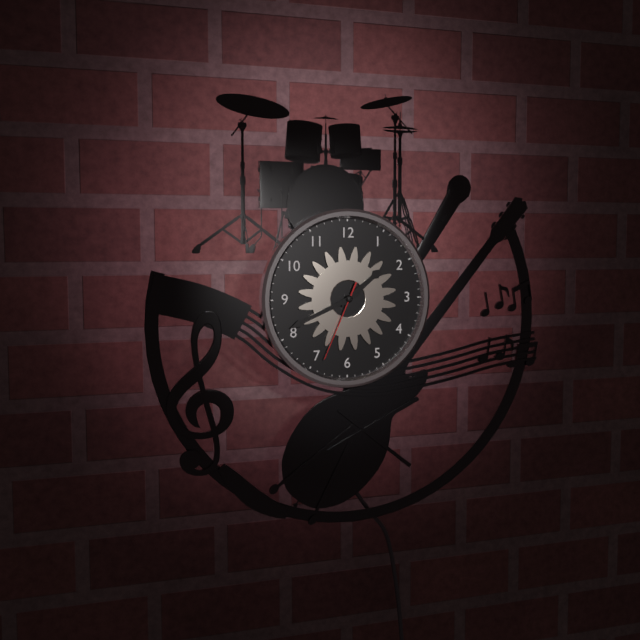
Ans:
h=1 m=41 s=34
